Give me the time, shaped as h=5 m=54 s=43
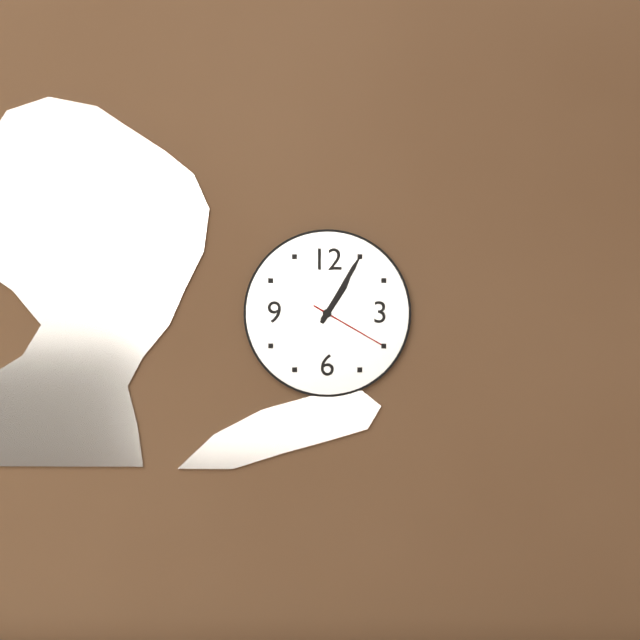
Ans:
h=1 m=5 s=20
